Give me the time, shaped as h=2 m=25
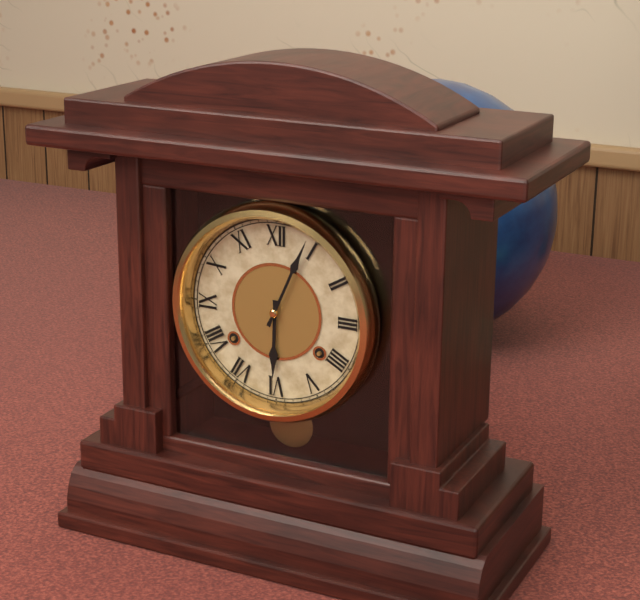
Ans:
h=6 m=4
